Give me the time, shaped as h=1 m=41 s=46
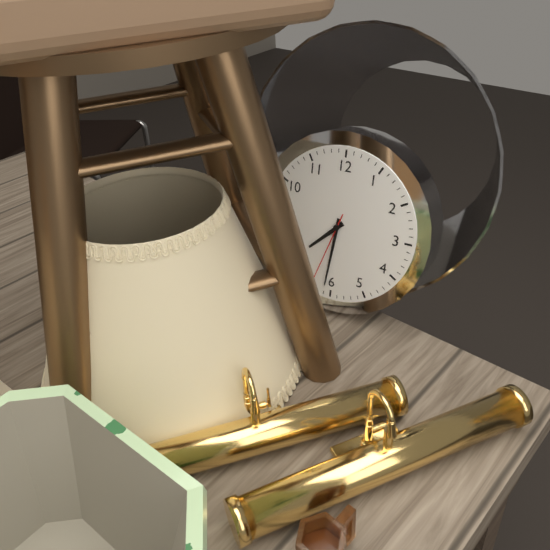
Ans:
h=7 m=31 s=33
